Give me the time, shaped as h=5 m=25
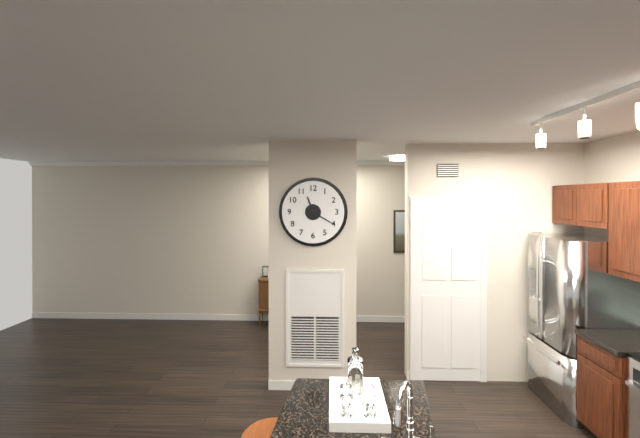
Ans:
h=11 m=20
